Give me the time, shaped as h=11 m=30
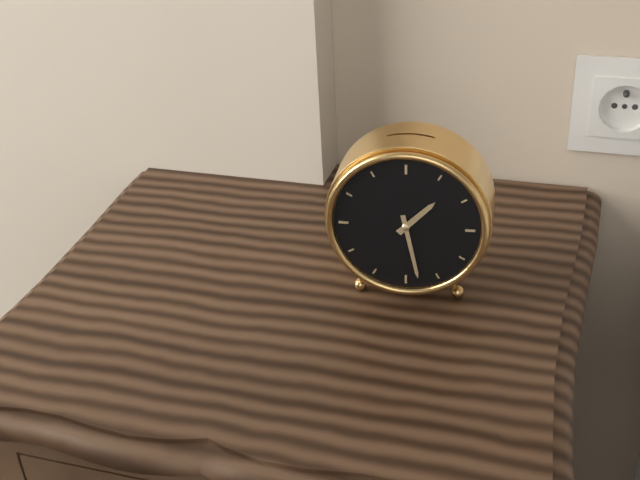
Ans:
h=1 m=28
